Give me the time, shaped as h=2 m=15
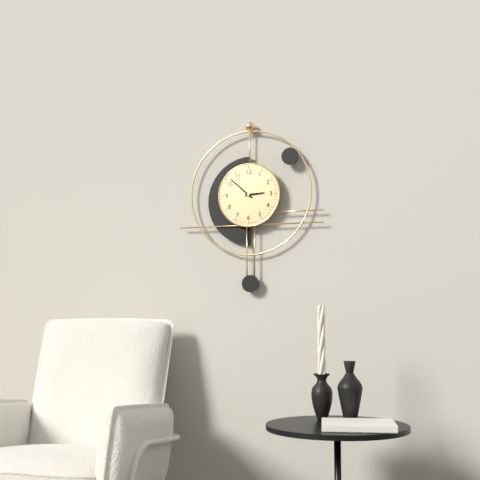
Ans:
h=2 m=52
